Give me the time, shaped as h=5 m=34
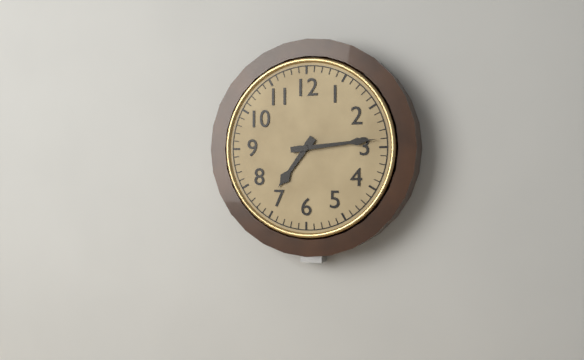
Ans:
h=7 m=14
